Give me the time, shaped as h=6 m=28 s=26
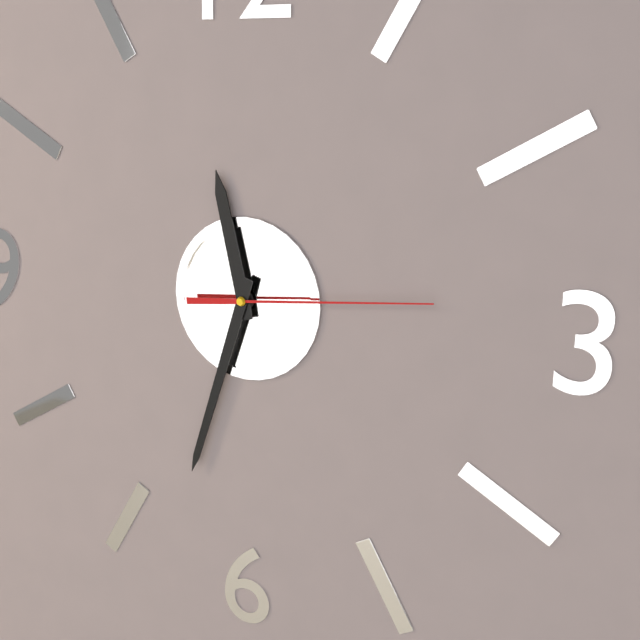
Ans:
h=11 m=33 s=14
